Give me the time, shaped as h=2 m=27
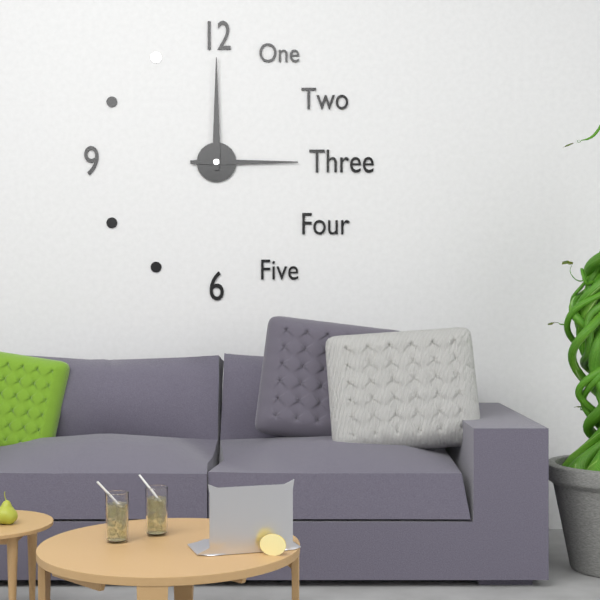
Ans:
h=3 m=0
